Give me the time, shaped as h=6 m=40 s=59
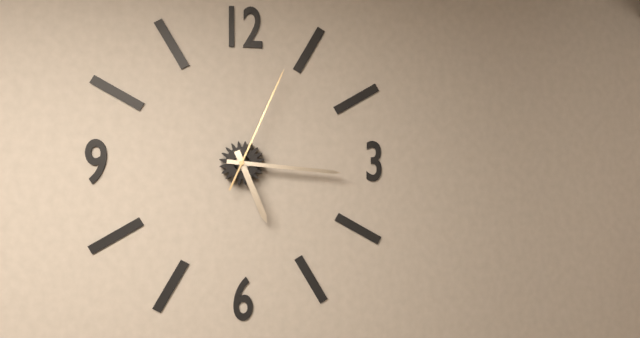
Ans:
h=5 m=16 s=4
